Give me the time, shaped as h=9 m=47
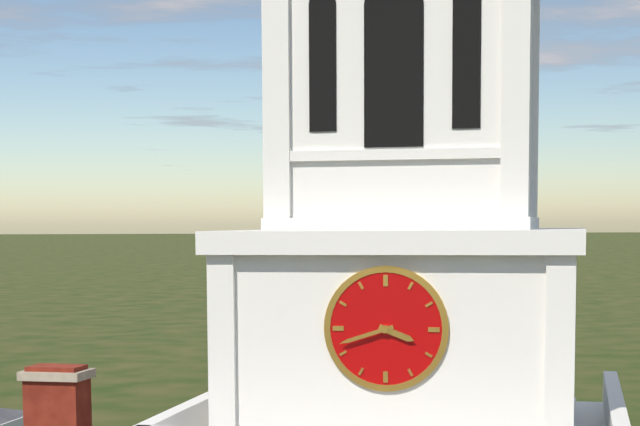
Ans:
h=3 m=42
